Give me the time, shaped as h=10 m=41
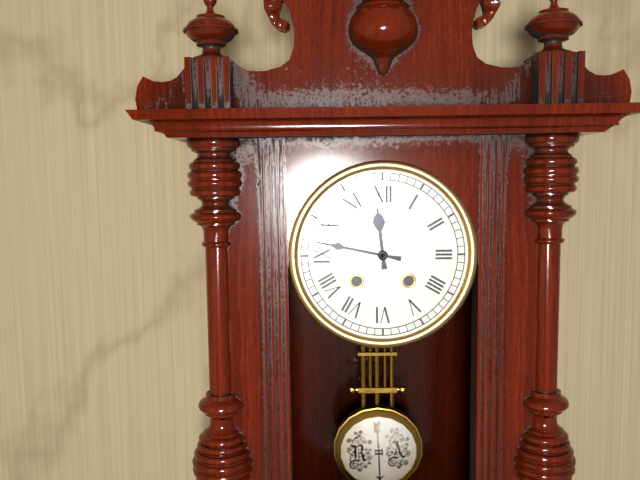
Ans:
h=11 m=47
